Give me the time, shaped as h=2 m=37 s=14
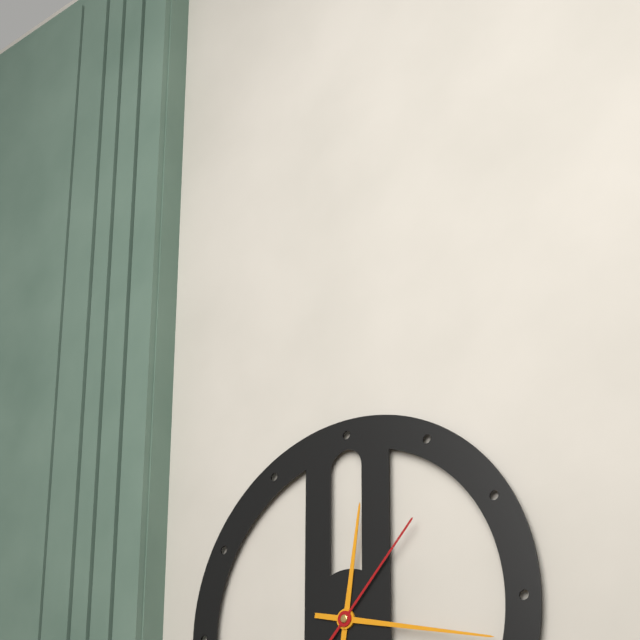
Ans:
h=12 m=17 s=7
